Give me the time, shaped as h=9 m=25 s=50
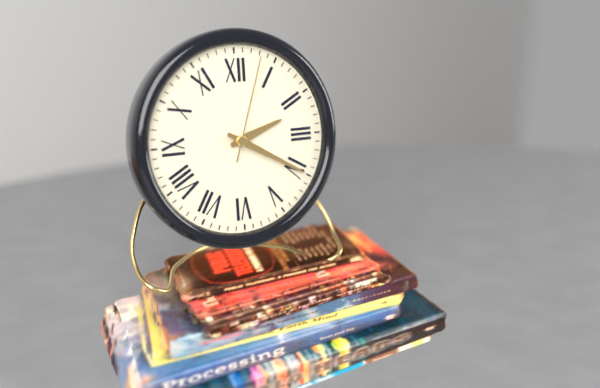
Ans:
h=2 m=20 s=3
